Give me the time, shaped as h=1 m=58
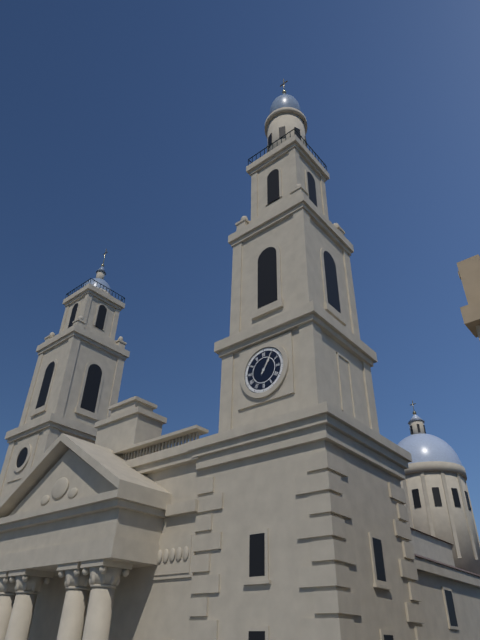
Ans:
h=1 m=5
